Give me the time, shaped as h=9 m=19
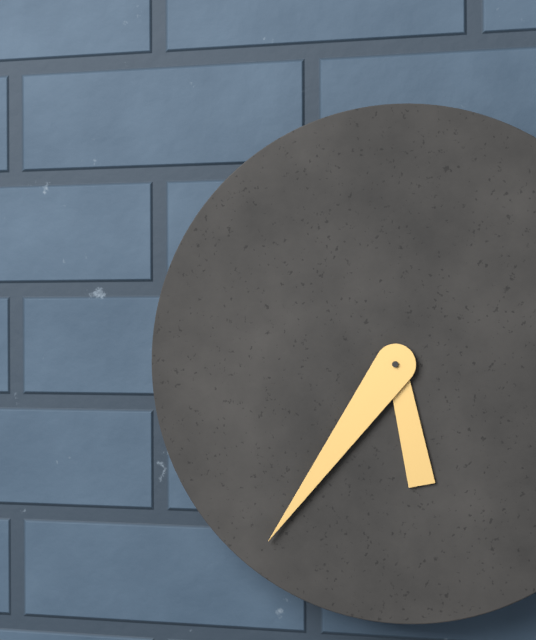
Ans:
h=5 m=36
